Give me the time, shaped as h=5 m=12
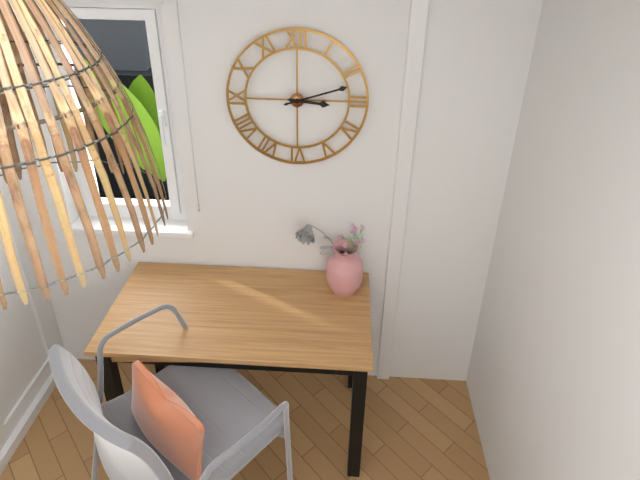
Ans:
h=3 m=12
